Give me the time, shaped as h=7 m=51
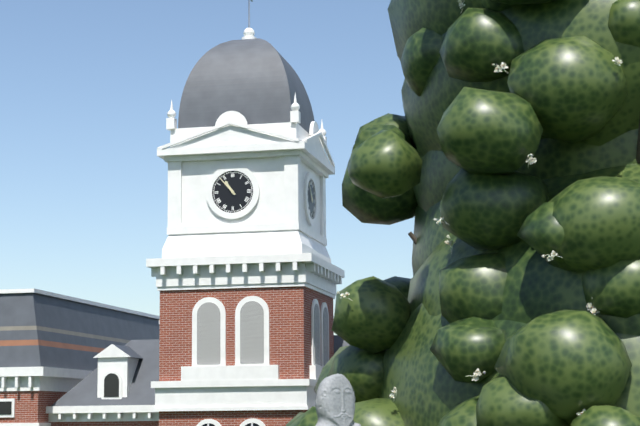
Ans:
h=10 m=53
